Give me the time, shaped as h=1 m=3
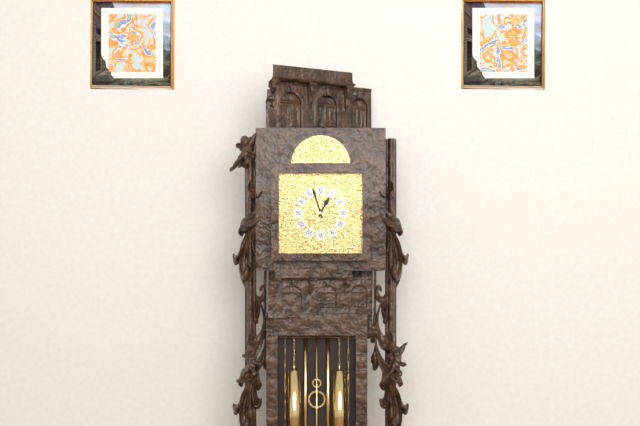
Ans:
h=12 m=57
